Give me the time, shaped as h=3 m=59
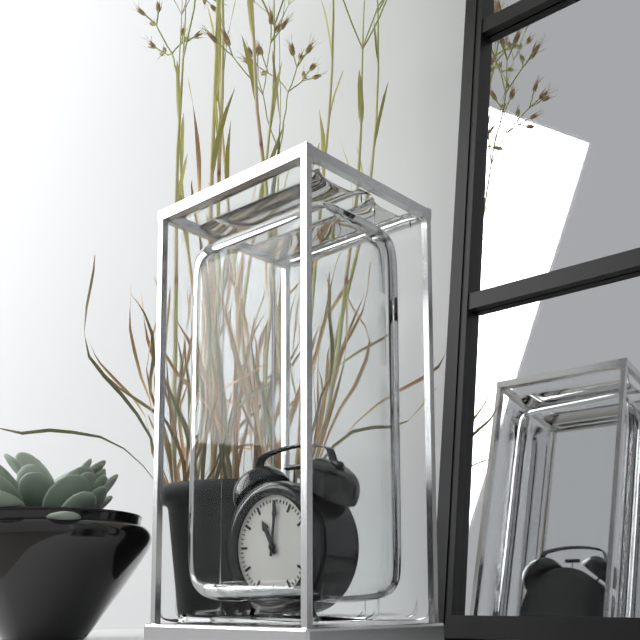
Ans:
h=11 m=1
